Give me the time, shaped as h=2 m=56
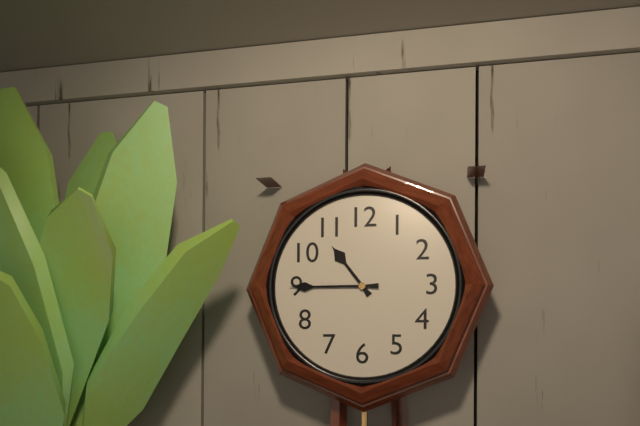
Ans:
h=10 m=45
